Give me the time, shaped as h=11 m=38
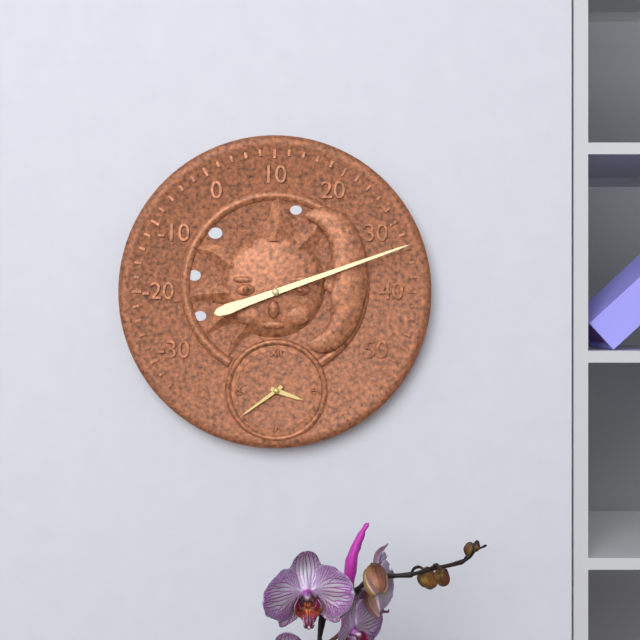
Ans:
h=3 m=39
